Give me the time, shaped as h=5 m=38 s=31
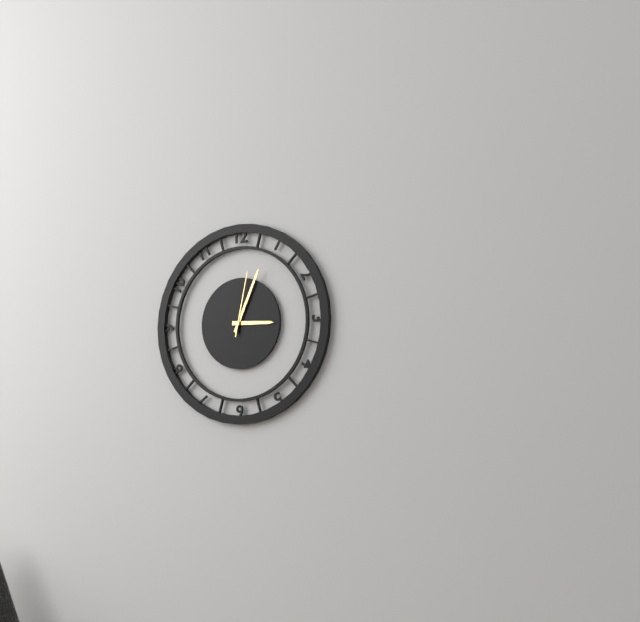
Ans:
h=3 m=4 s=2
